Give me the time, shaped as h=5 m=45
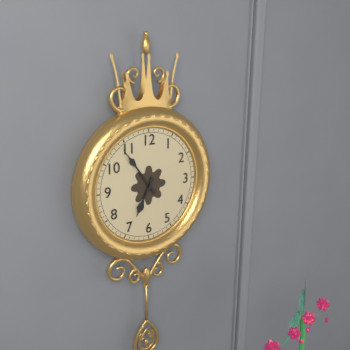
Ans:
h=6 m=54
